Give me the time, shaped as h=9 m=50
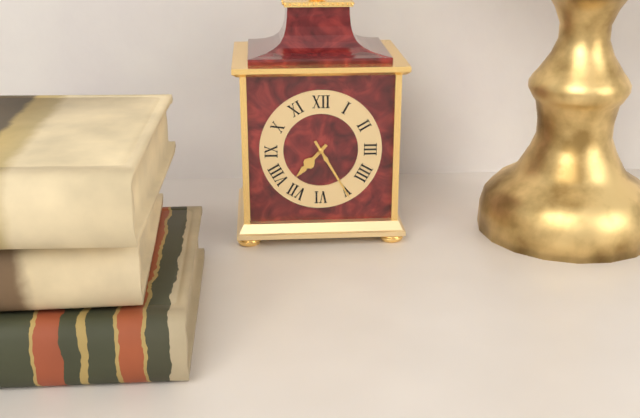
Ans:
h=7 m=25
